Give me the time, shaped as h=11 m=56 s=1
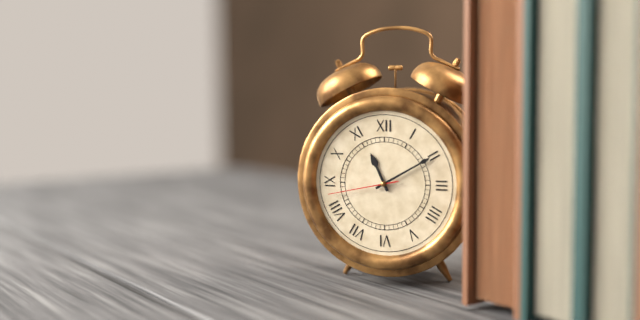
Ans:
h=11 m=10 s=43
